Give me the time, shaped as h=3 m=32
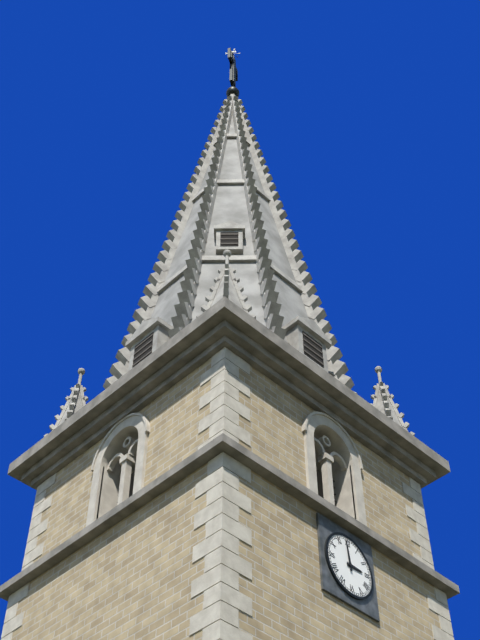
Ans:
h=2 m=59
